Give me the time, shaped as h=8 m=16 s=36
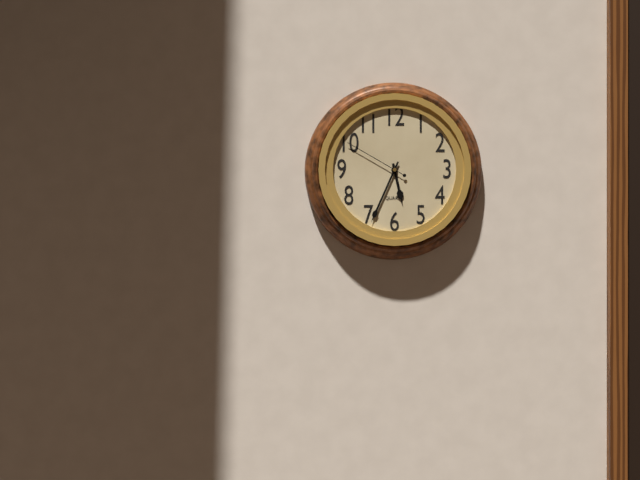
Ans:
h=5 m=34 s=50
